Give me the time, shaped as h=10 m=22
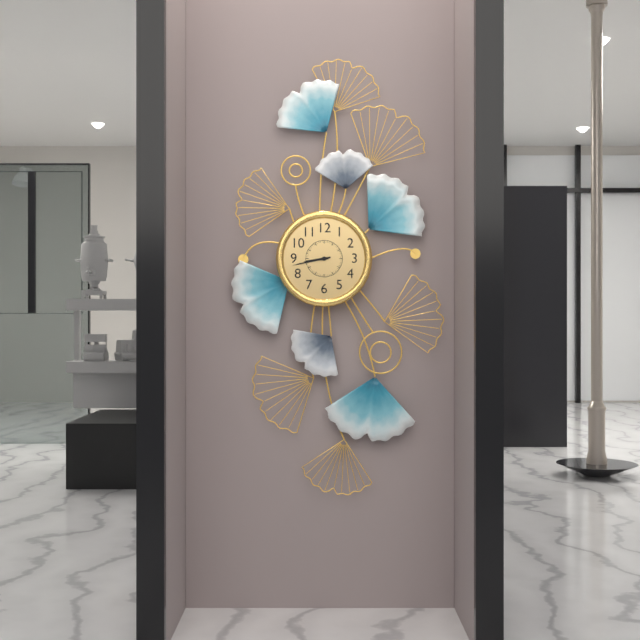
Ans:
h=8 m=43
